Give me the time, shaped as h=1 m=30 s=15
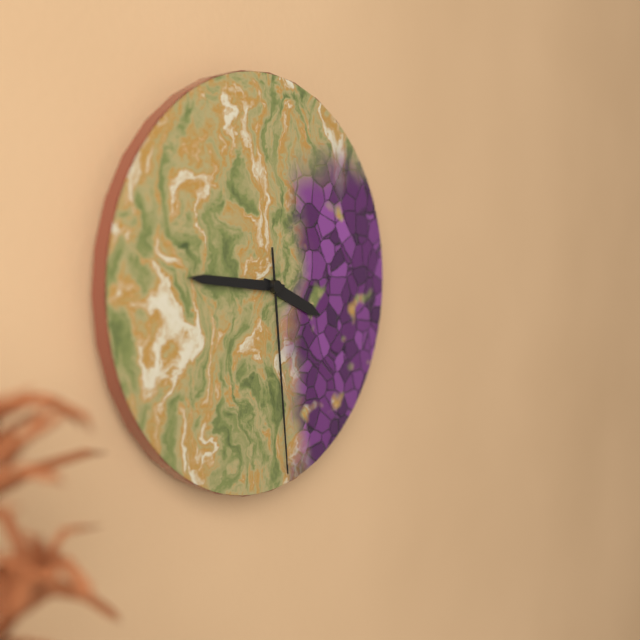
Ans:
h=3 m=46 s=29
